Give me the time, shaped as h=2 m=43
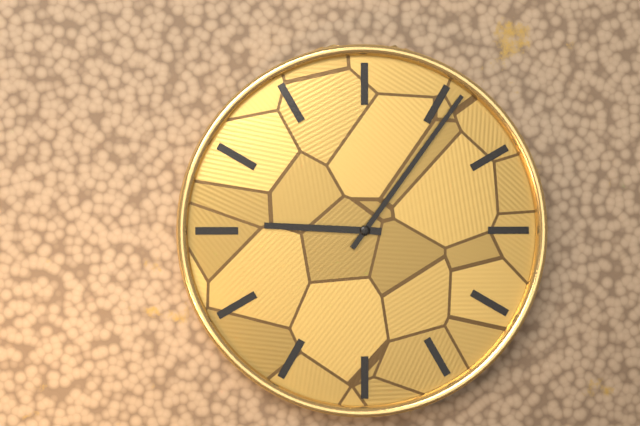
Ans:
h=9 m=6
